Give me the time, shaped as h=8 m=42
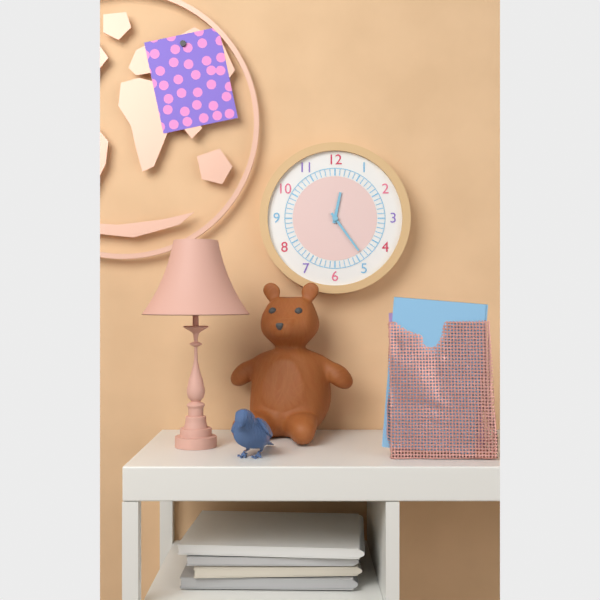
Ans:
h=12 m=24
